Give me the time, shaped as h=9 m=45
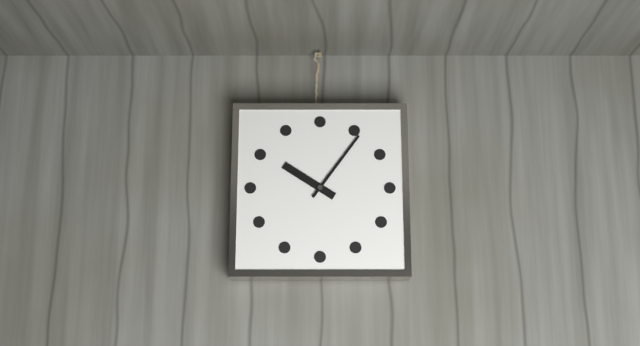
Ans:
h=10 m=6
